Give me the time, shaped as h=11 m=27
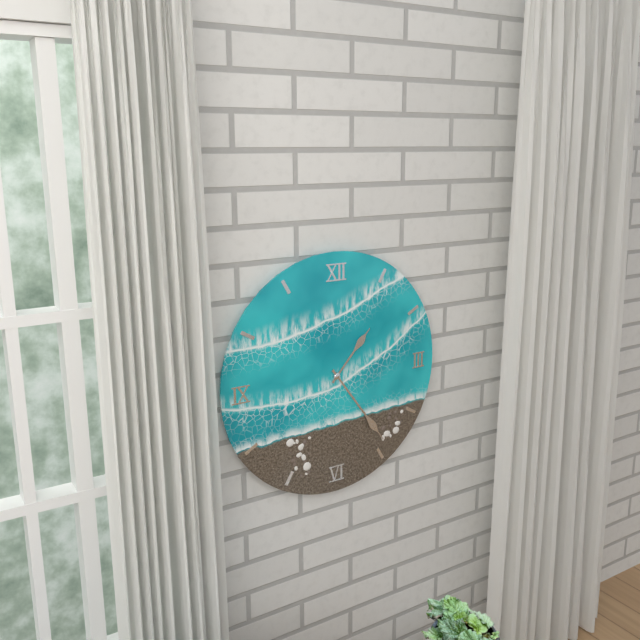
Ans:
h=1 m=24
